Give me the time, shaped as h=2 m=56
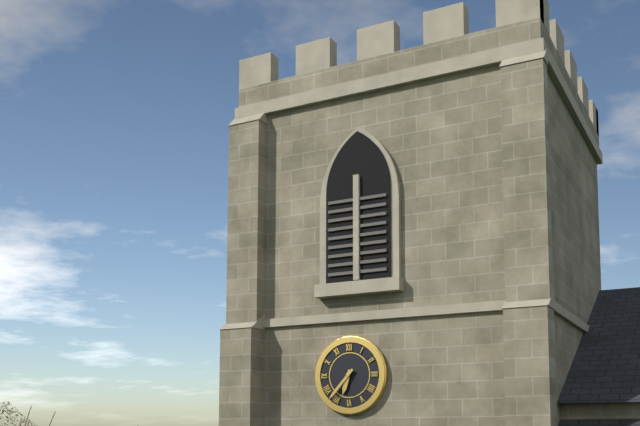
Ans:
h=6 m=37
